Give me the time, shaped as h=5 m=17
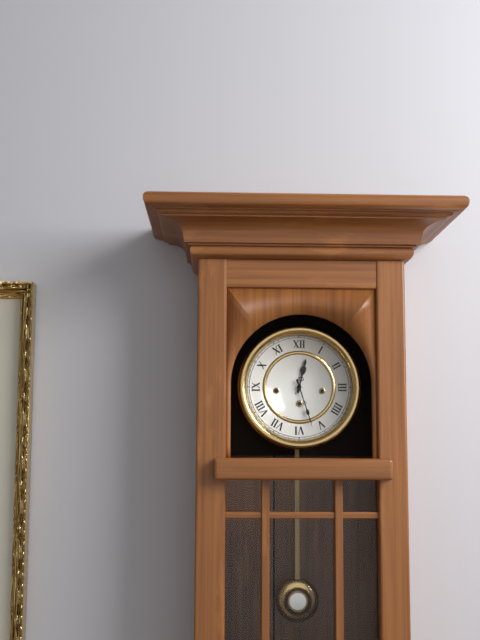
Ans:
h=12 m=27
